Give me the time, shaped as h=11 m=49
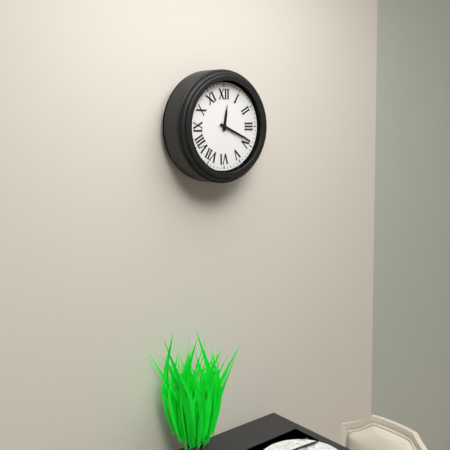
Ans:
h=12 m=19
